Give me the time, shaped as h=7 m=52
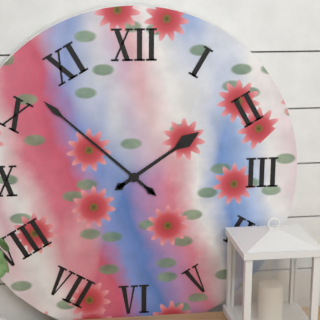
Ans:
h=1 m=52
